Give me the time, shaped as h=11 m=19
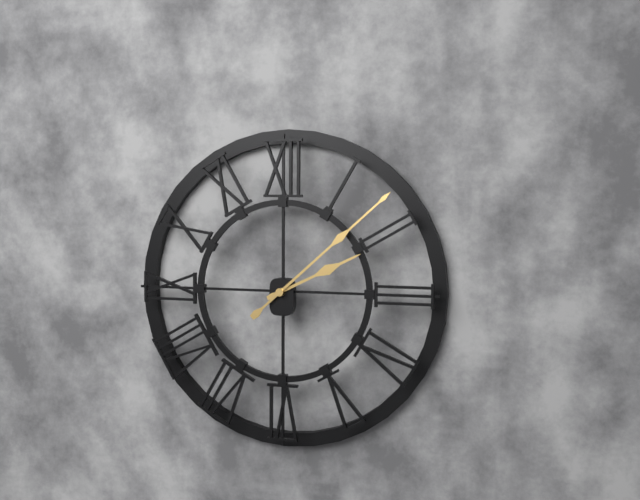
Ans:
h=2 m=8
